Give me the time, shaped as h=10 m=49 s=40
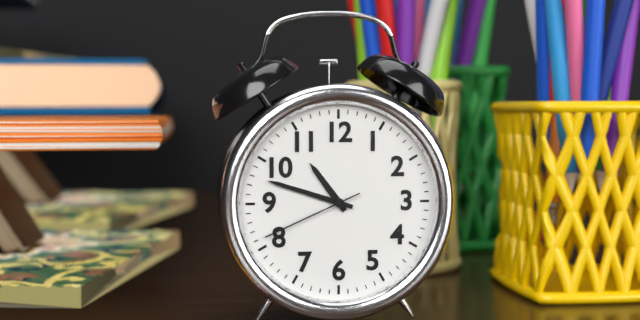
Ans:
h=10 m=48 s=41
